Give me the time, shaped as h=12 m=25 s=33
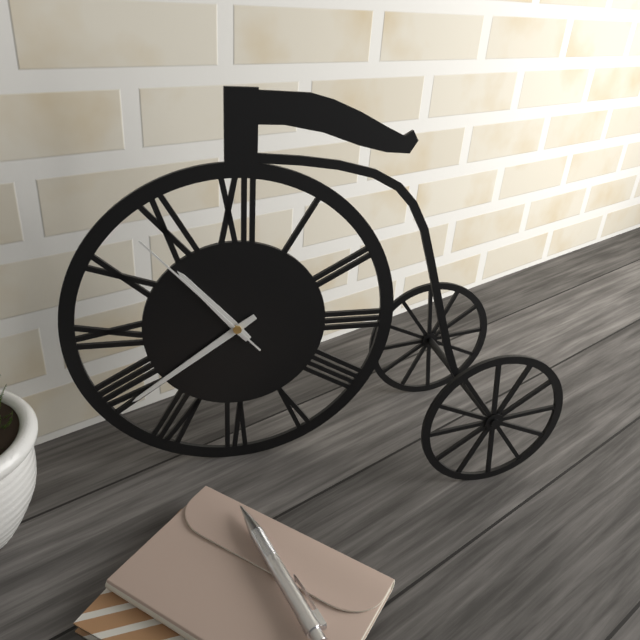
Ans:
h=10 m=39 s=53
